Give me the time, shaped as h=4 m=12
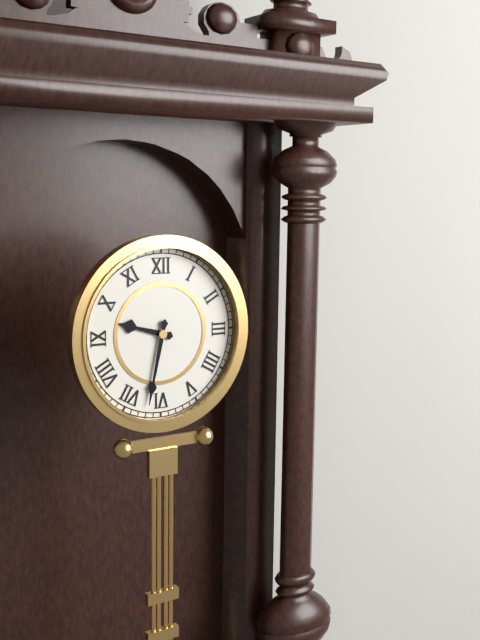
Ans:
h=9 m=32
